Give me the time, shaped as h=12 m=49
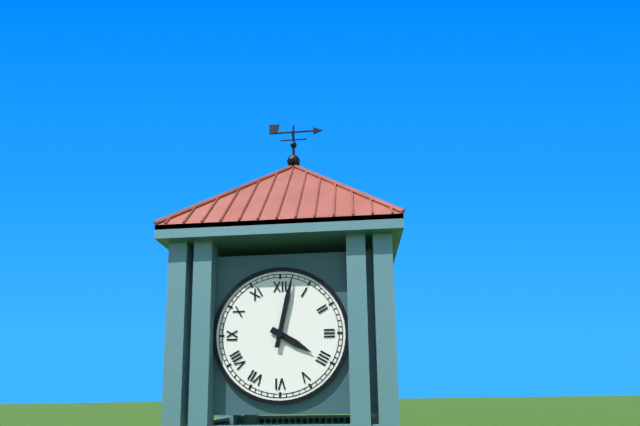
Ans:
h=4 m=2
